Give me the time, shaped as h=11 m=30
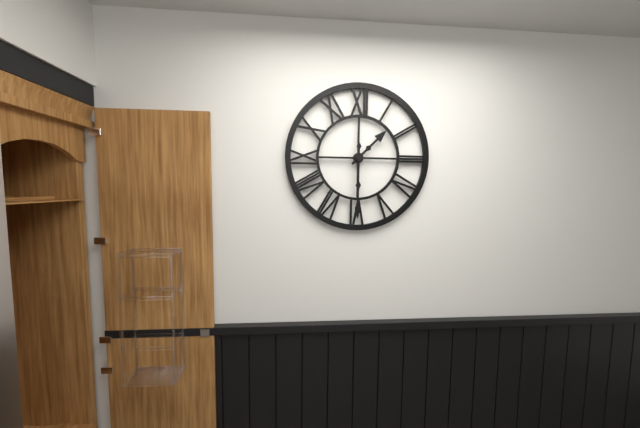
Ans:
h=1 m=30
